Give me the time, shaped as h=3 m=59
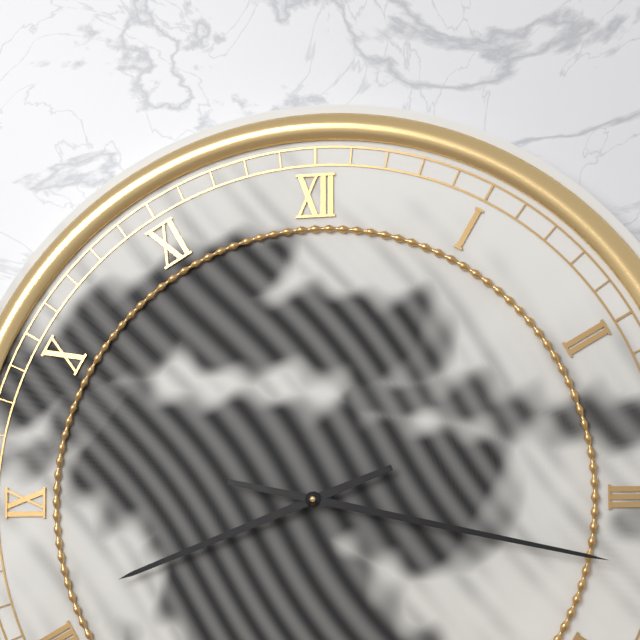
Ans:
h=8 m=17
